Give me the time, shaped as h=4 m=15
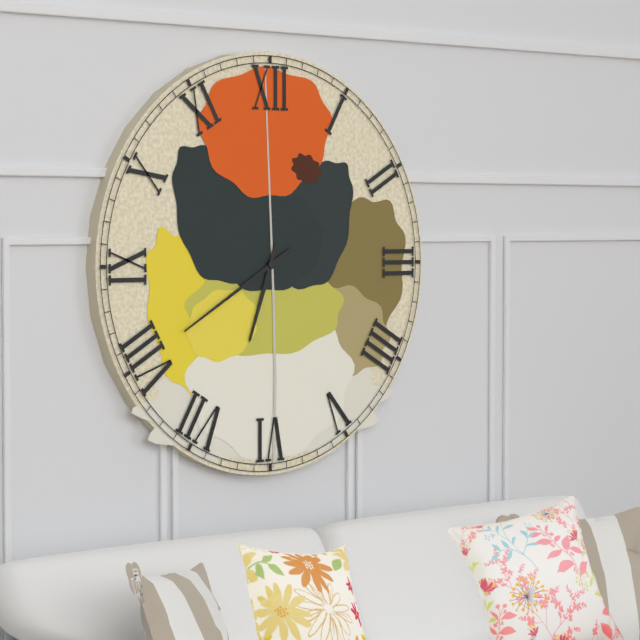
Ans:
h=6 m=40
